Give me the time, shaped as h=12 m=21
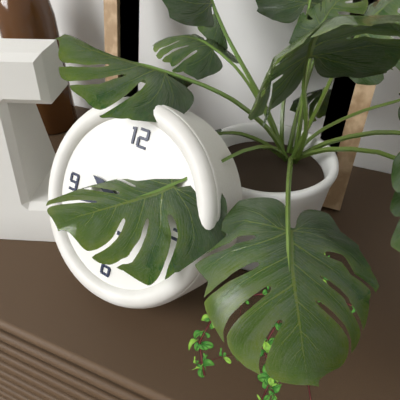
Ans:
h=9 m=43
